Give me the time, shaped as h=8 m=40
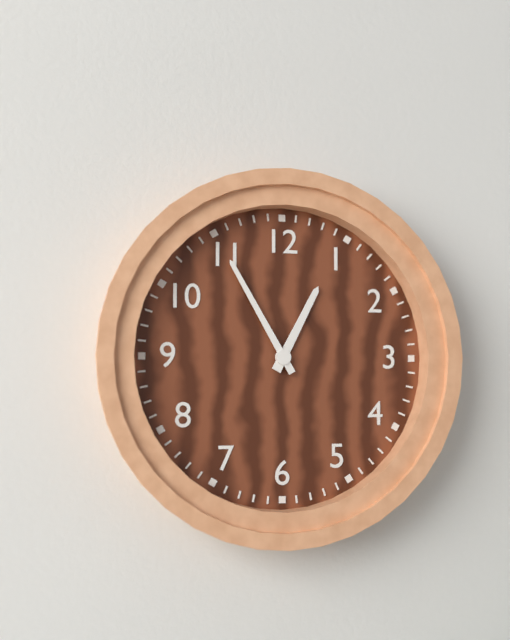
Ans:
h=12 m=55
